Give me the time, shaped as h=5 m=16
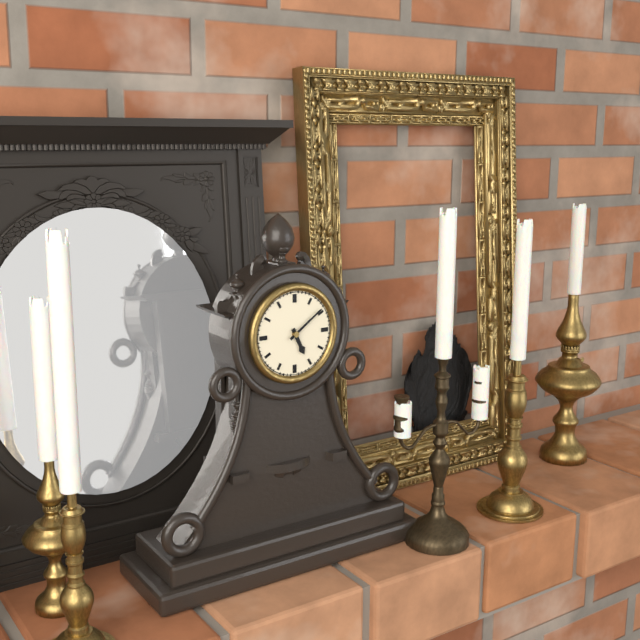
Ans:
h=5 m=9
